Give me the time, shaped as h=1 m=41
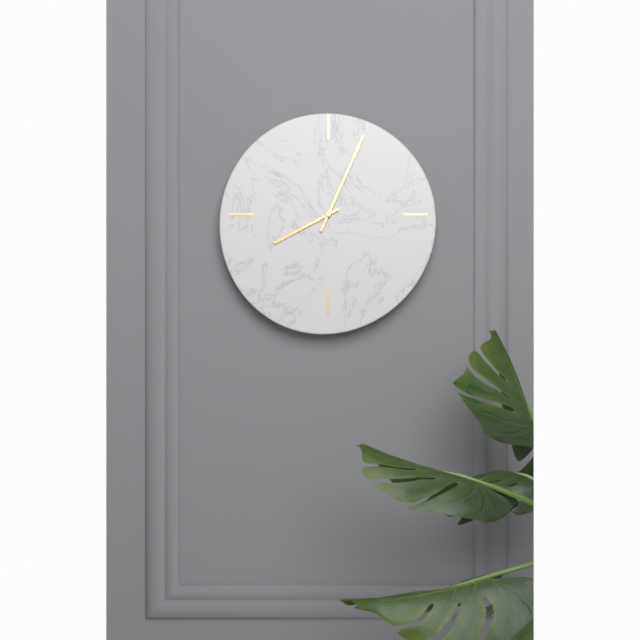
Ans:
h=8 m=4
